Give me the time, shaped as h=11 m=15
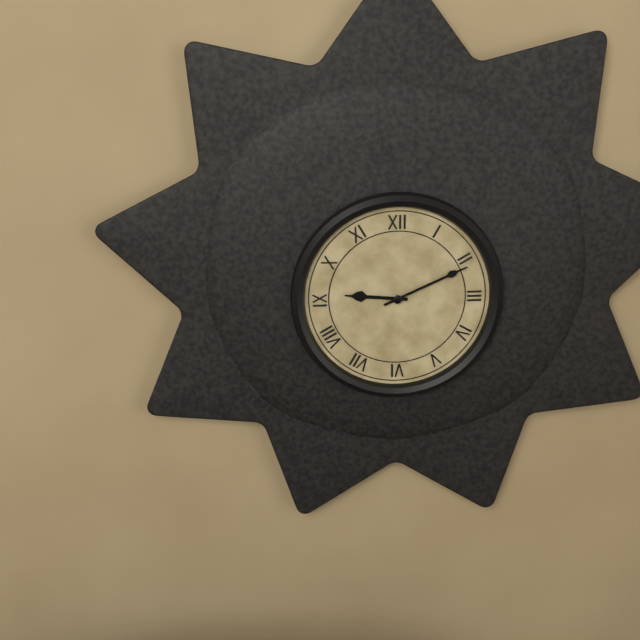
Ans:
h=9 m=11
